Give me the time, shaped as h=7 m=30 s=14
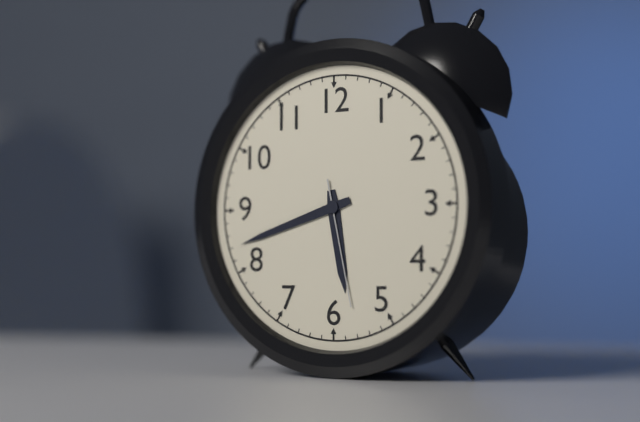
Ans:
h=5 m=42 s=28
